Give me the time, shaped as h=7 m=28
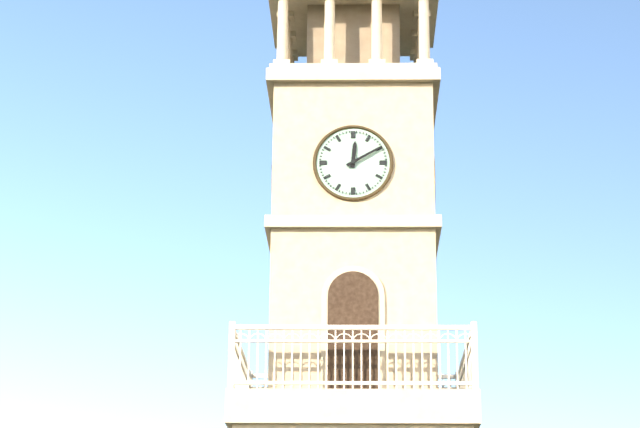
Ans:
h=12 m=10
